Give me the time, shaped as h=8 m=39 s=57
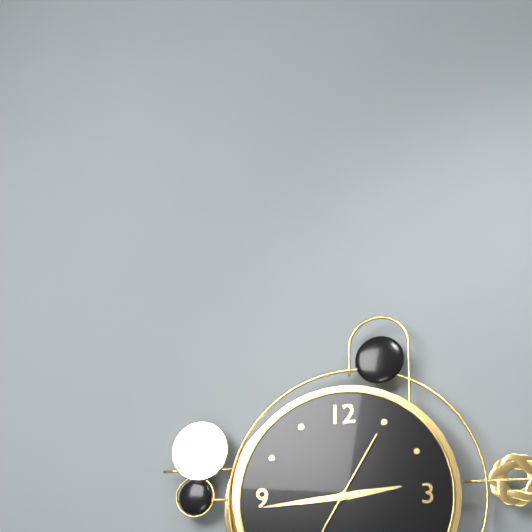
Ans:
h=2 m=44 s=5
